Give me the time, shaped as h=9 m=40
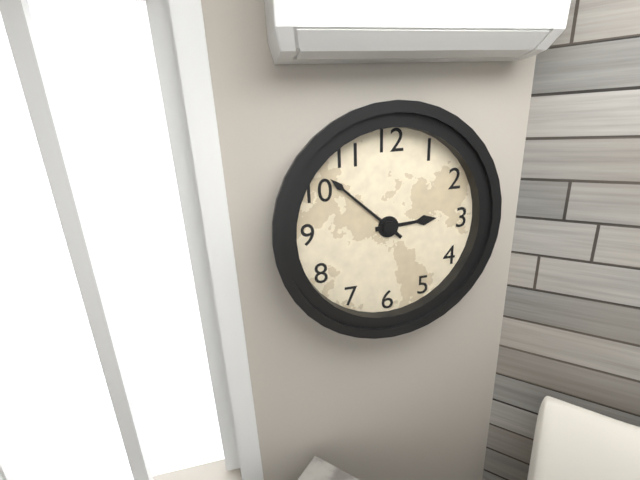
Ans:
h=2 m=52
